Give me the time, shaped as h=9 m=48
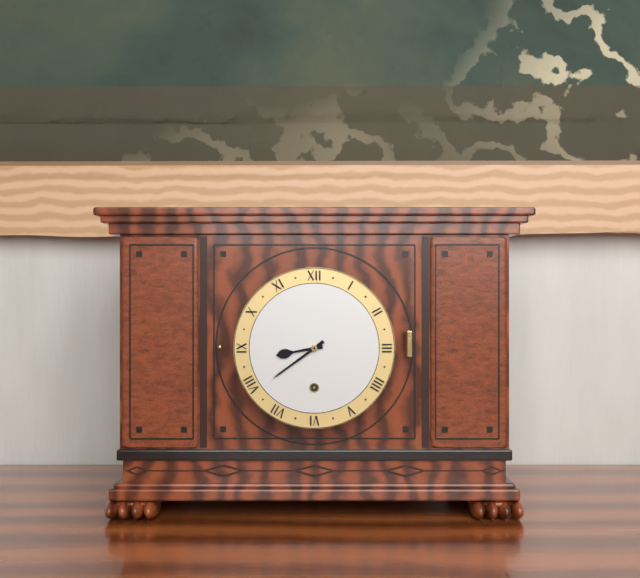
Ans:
h=8 m=39
